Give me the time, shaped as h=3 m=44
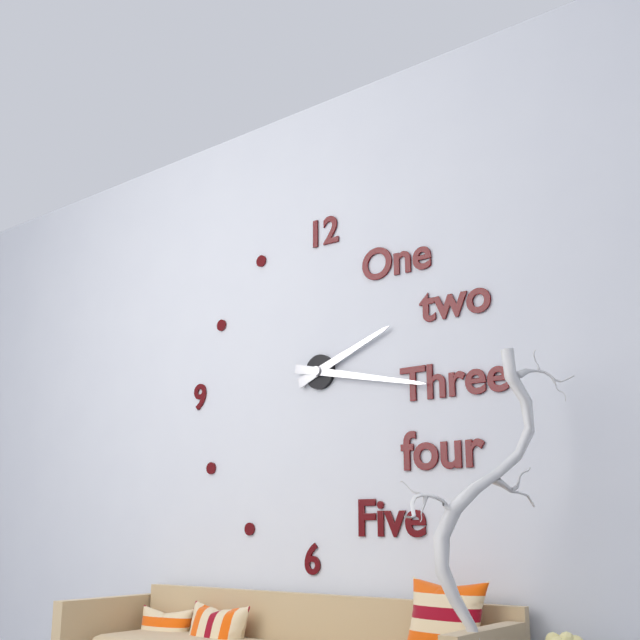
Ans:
h=2 m=17
